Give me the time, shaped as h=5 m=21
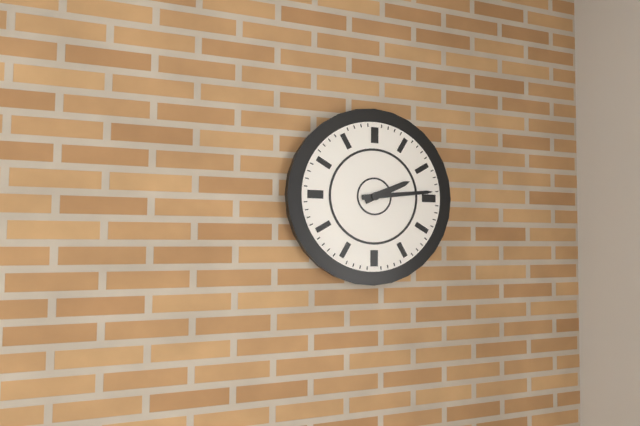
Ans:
h=2 m=14
